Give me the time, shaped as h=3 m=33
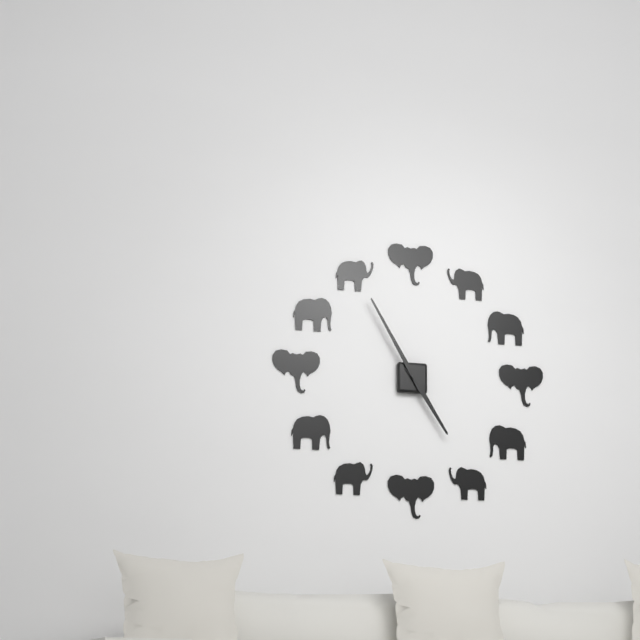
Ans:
h=4 m=55
